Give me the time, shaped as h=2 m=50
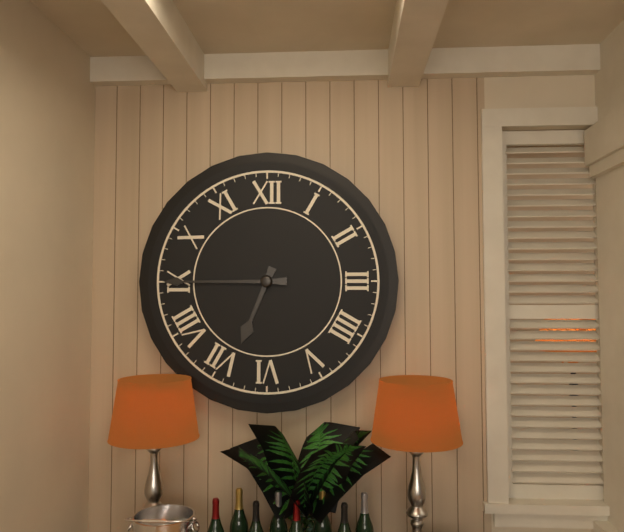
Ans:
h=6 m=45
